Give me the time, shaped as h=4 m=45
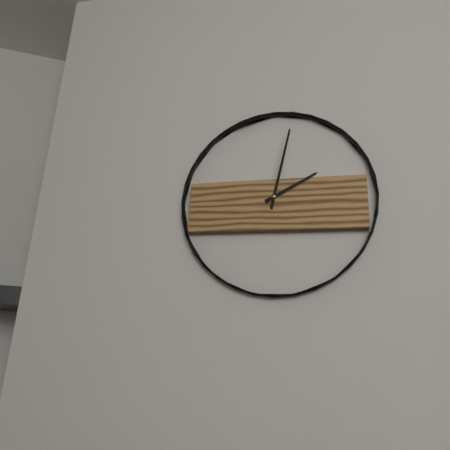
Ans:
h=2 m=2
